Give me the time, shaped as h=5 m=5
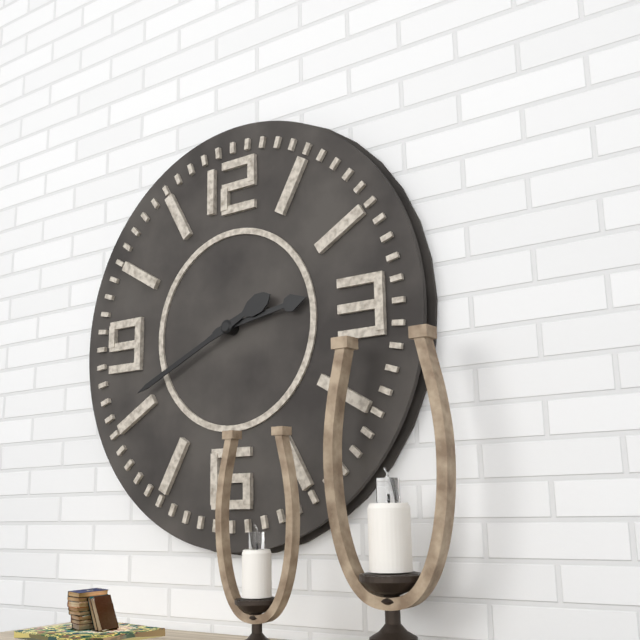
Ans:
h=2 m=41
